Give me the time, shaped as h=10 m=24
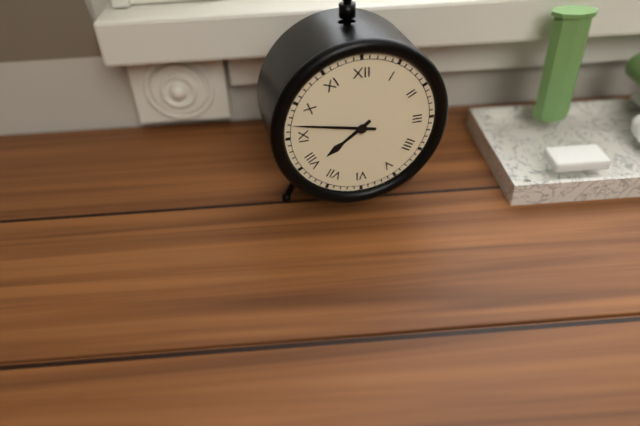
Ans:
h=7 m=47
